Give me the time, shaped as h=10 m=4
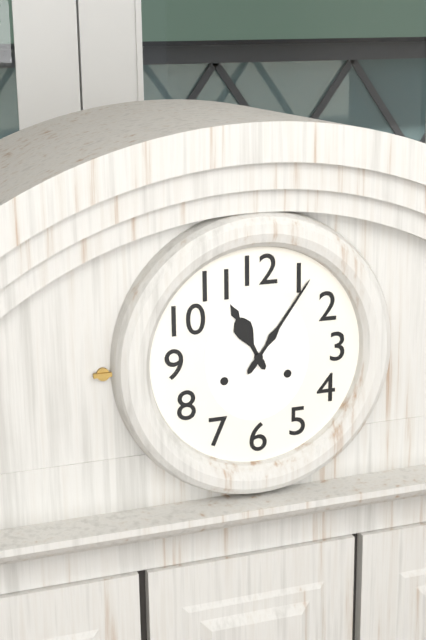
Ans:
h=11 m=6
